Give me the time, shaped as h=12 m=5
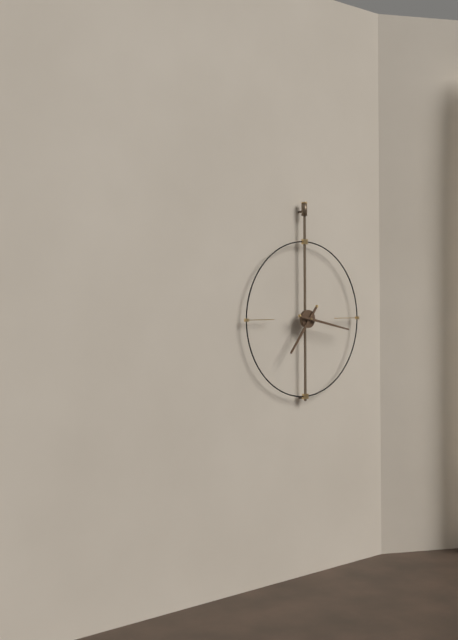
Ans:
h=7 m=17
